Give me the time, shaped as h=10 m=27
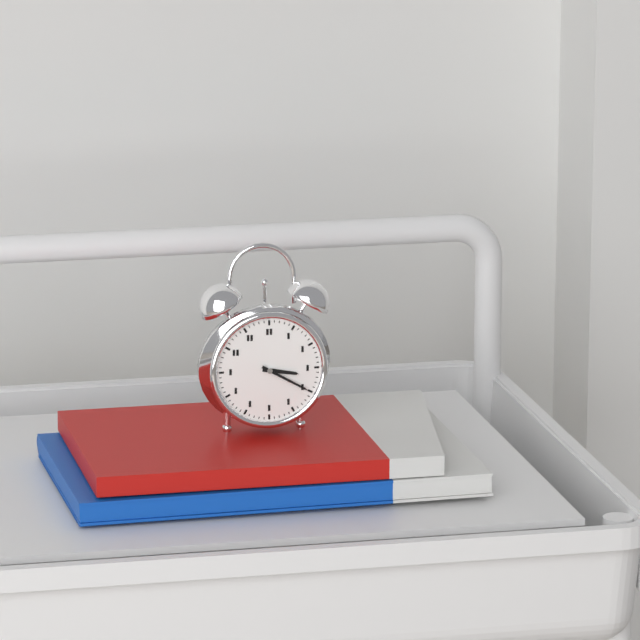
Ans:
h=3 m=20
